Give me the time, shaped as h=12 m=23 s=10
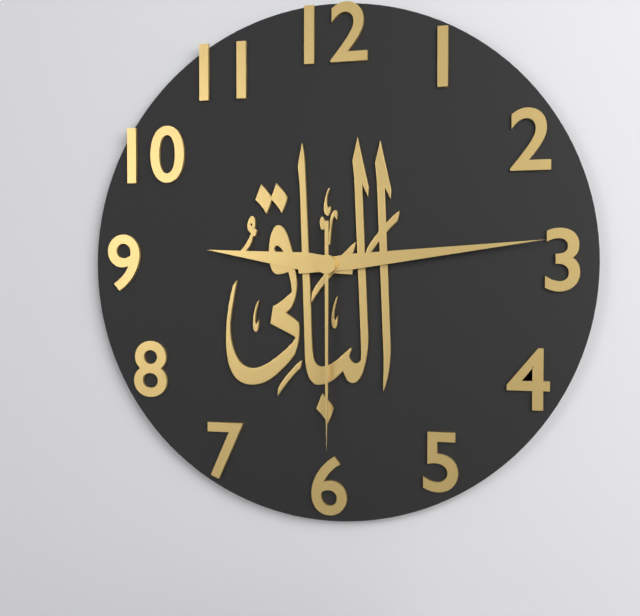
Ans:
h=9 m=14 s=30
